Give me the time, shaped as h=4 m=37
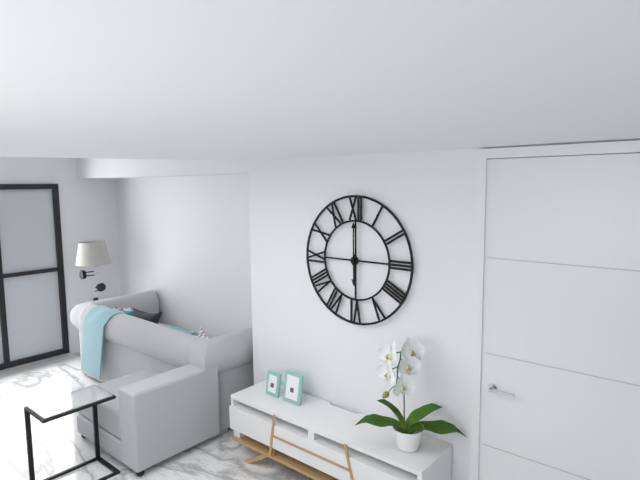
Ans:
h=6 m=0
